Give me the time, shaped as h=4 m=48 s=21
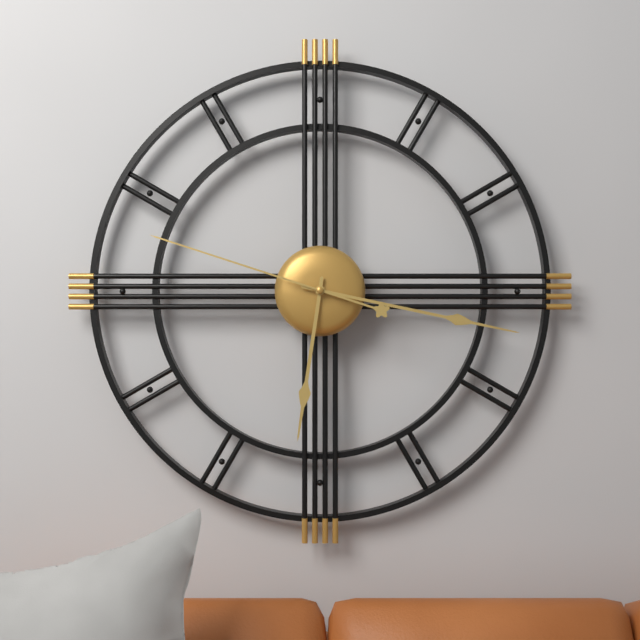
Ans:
h=6 m=17 s=48
